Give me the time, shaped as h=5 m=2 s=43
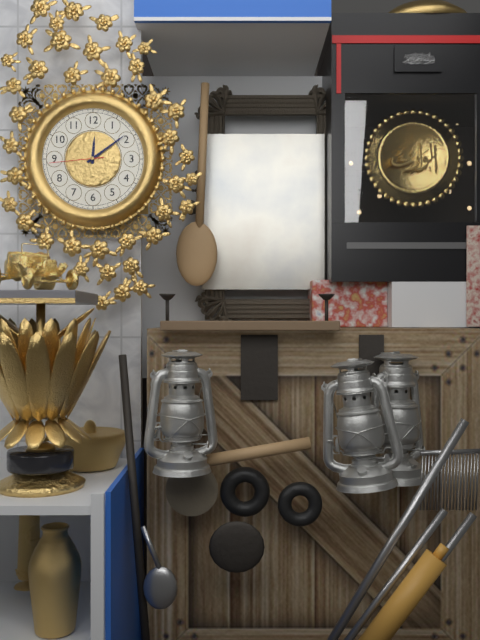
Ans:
h=12 m=9 s=44
